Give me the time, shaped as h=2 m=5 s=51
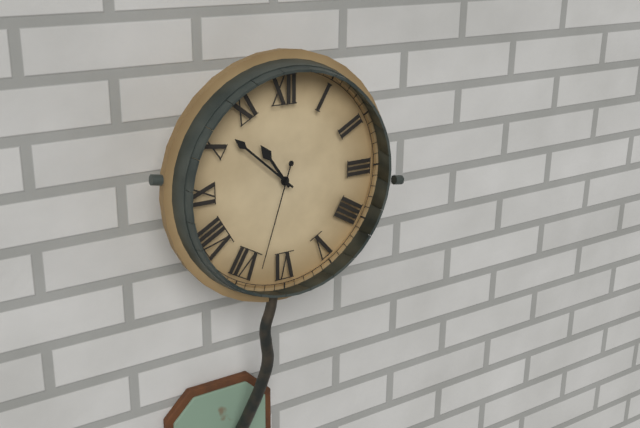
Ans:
h=10 m=52 s=33
